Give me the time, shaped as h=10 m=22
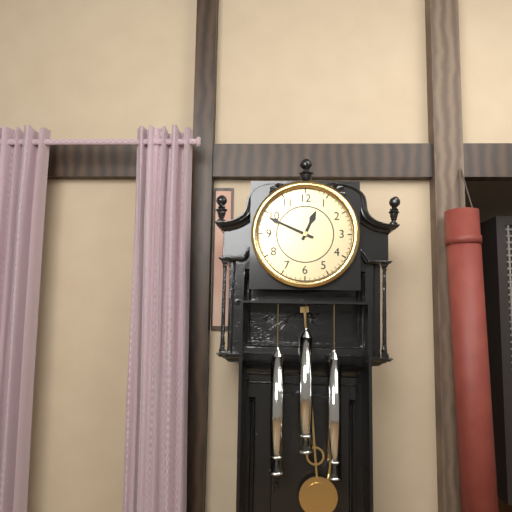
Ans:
h=12 m=49
